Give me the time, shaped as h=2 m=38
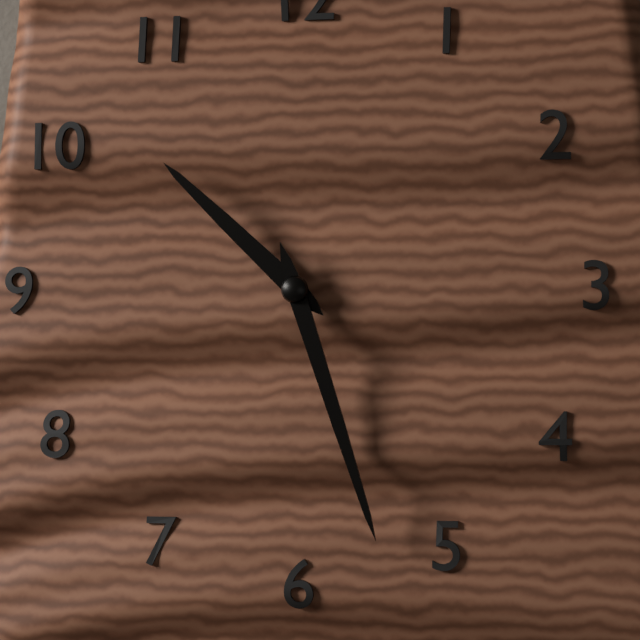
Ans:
h=10 m=27
